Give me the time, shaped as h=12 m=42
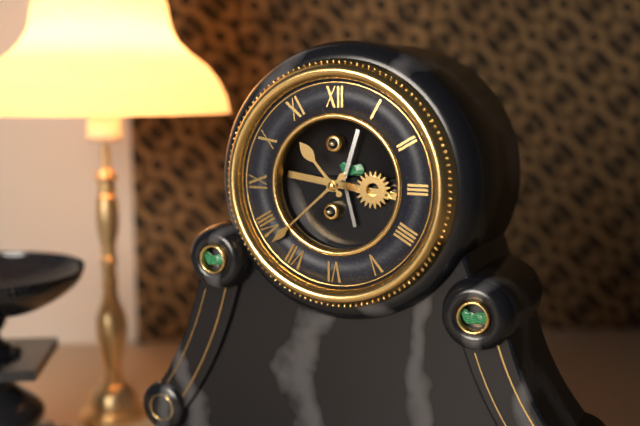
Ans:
h=10 m=38
